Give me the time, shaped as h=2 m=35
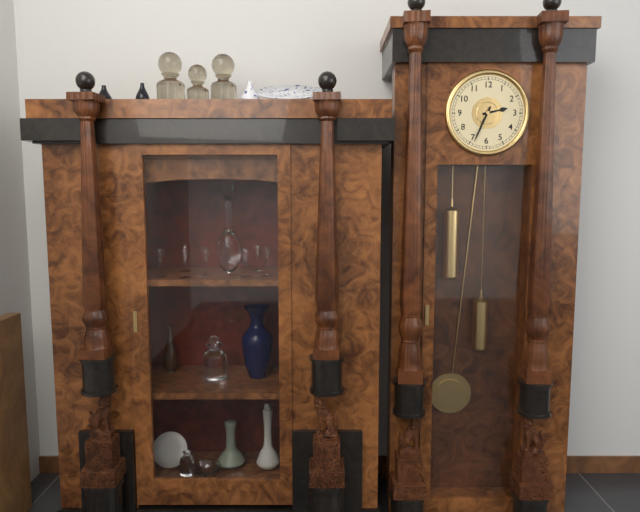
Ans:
h=2 m=34
